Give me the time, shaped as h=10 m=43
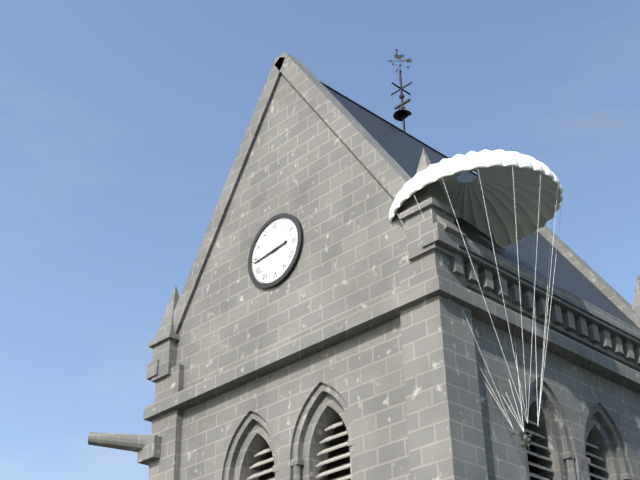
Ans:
h=2 m=44
